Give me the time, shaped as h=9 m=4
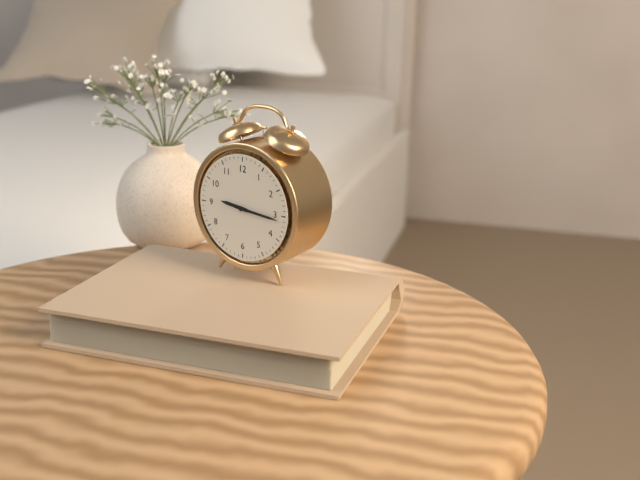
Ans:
h=9 m=16
